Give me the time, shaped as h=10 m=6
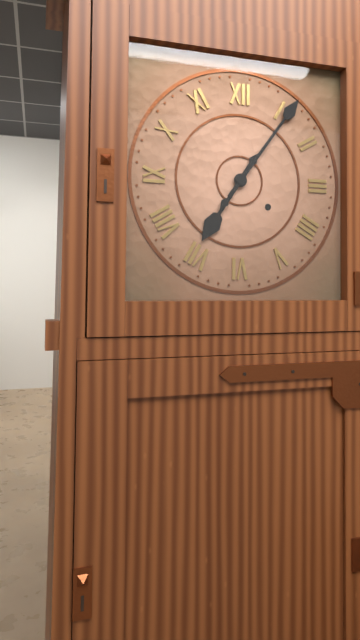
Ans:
h=7 m=6
